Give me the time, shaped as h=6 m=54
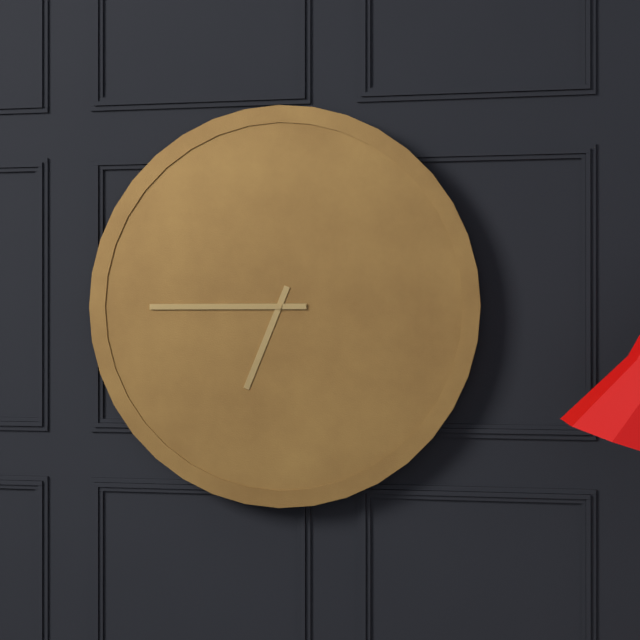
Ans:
h=6 m=45
